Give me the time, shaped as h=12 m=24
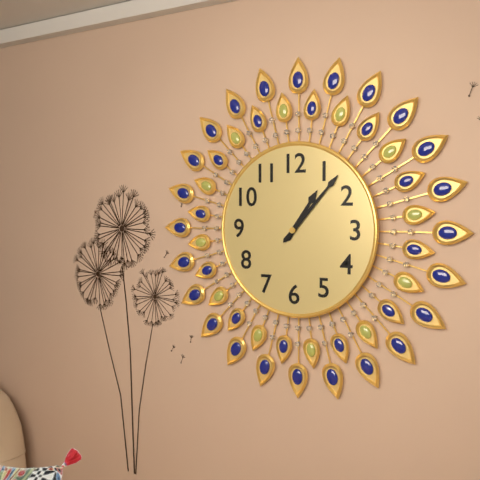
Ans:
h=1 m=7
